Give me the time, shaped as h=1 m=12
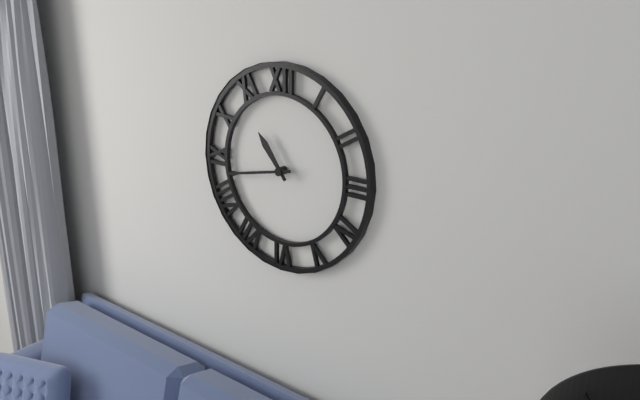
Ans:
h=10 m=43
